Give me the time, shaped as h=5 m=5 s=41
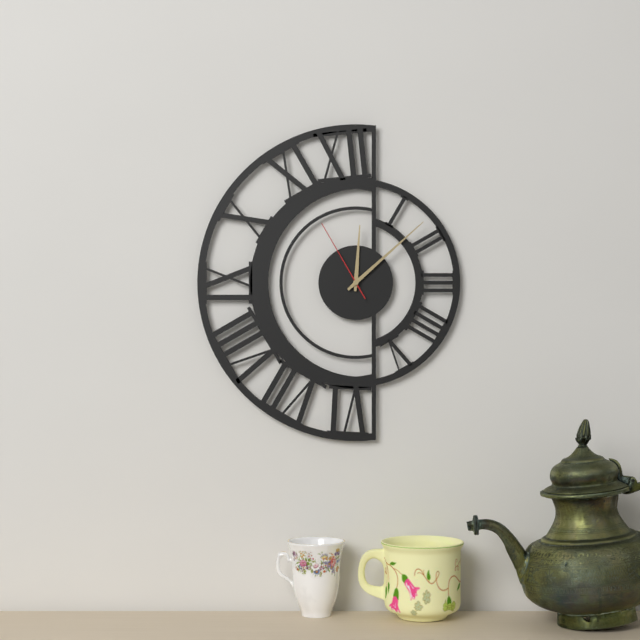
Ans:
h=12 m=8 s=55
